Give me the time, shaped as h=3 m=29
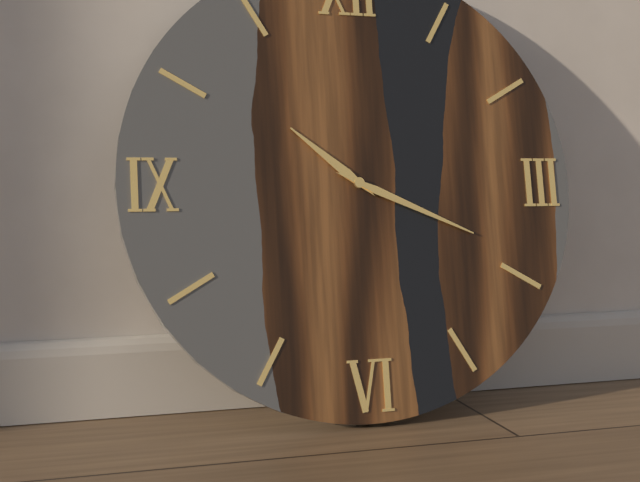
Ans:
h=10 m=19
